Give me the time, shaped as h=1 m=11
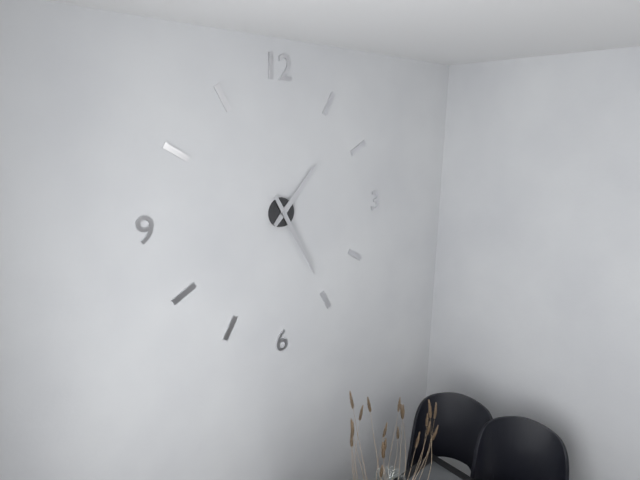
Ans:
h=1 m=25
